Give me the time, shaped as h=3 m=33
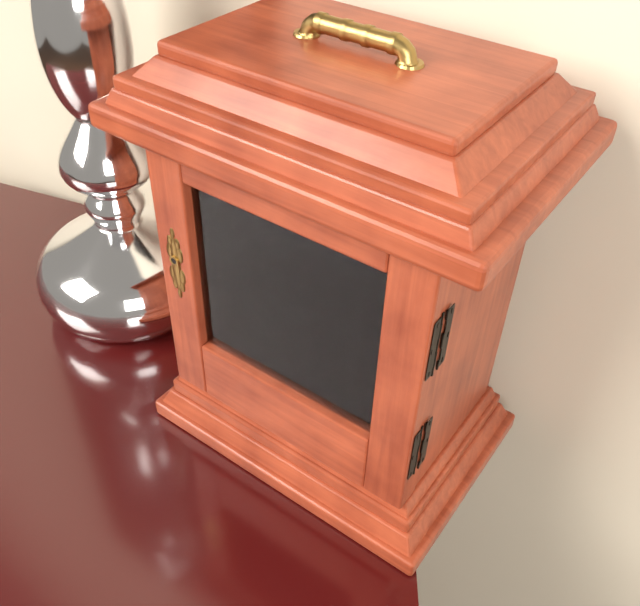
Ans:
h=5 m=15
